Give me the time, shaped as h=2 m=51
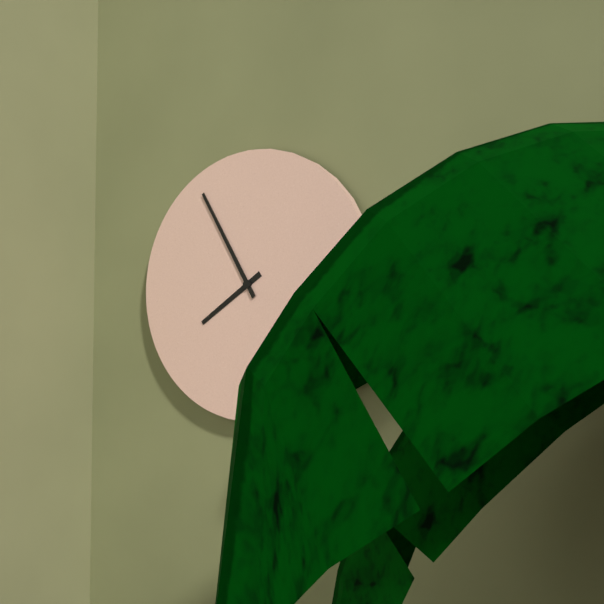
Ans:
h=7 m=55
